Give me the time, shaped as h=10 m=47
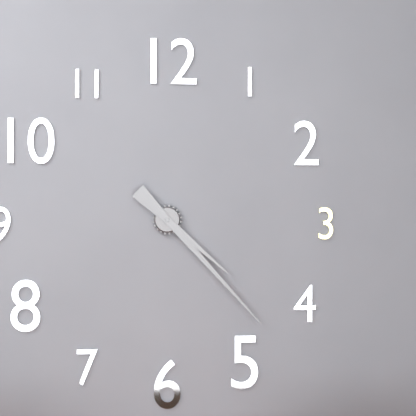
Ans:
h=4 m=23
